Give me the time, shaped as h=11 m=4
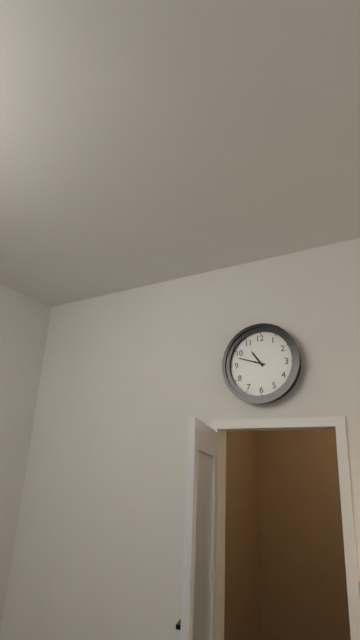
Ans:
h=10 m=48
